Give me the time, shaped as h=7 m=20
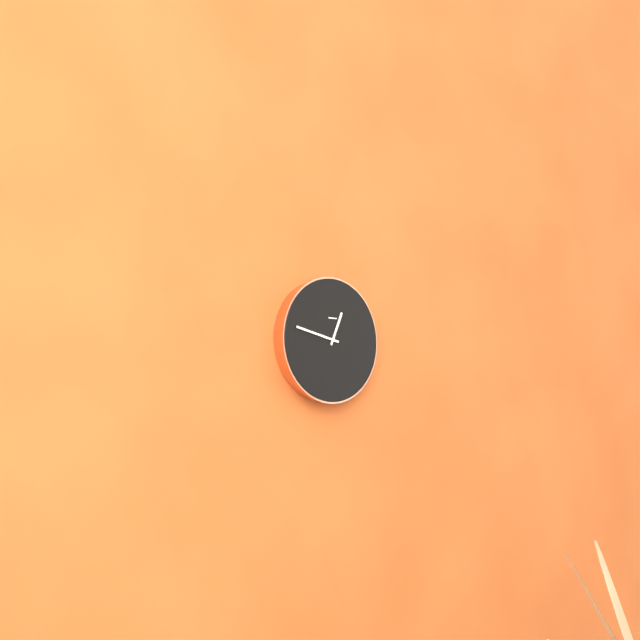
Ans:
h=12 m=47
